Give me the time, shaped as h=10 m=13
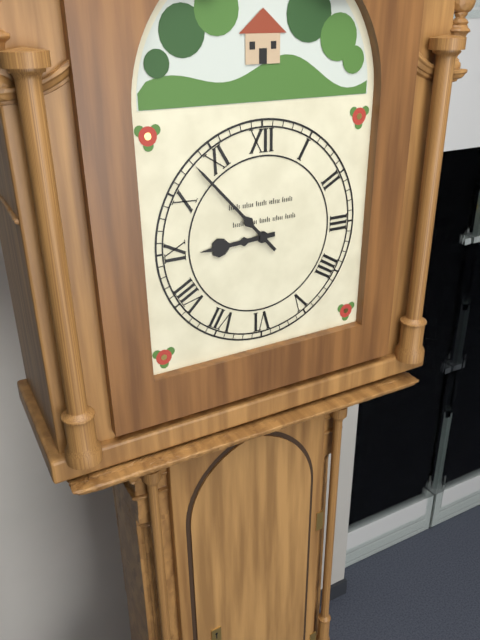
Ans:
h=8 m=53
